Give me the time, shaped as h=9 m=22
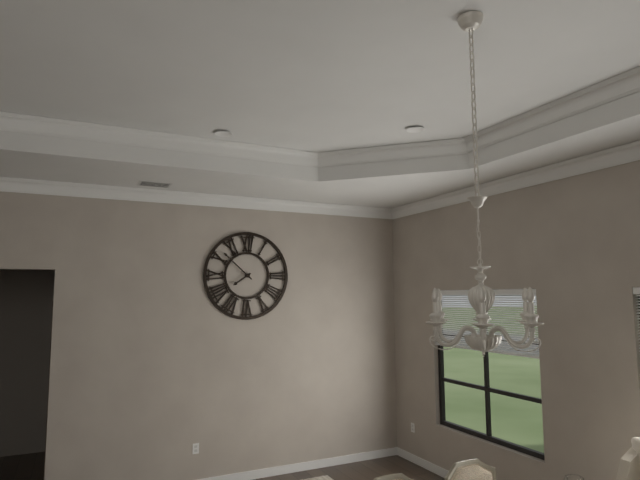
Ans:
h=7 m=52
